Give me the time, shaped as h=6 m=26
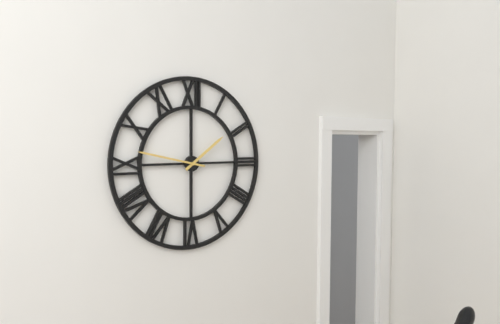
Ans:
h=1 m=47
